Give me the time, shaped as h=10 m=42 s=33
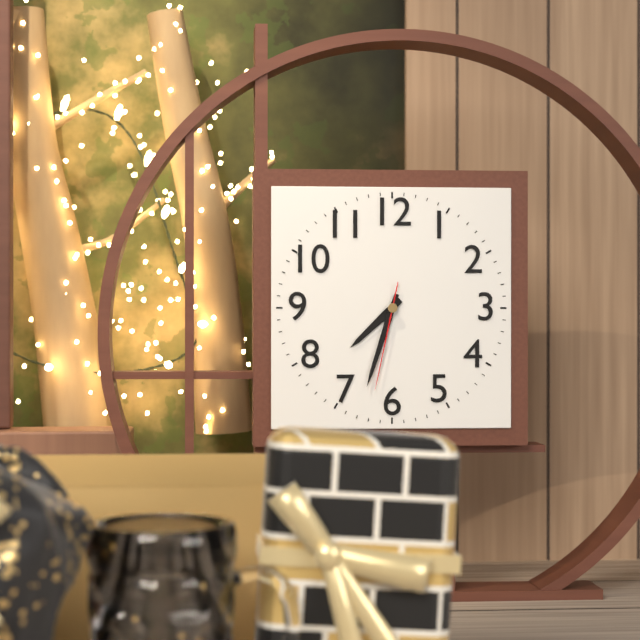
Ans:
h=7 m=33 s=32
